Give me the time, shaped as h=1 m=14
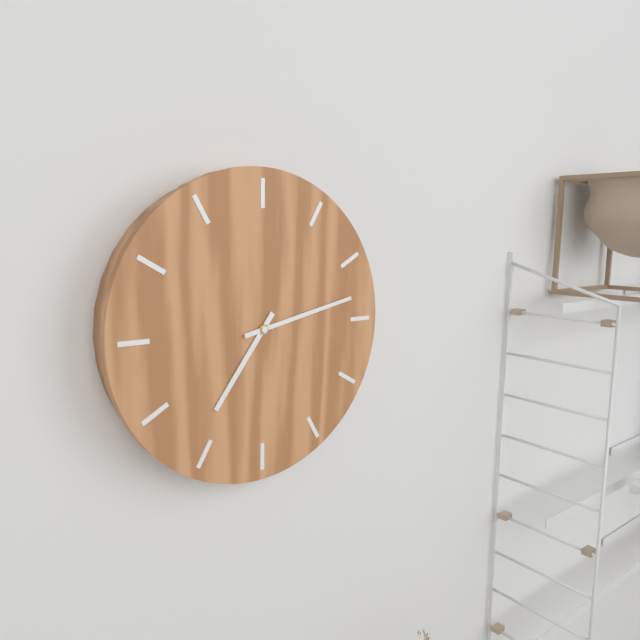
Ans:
h=7 m=13
